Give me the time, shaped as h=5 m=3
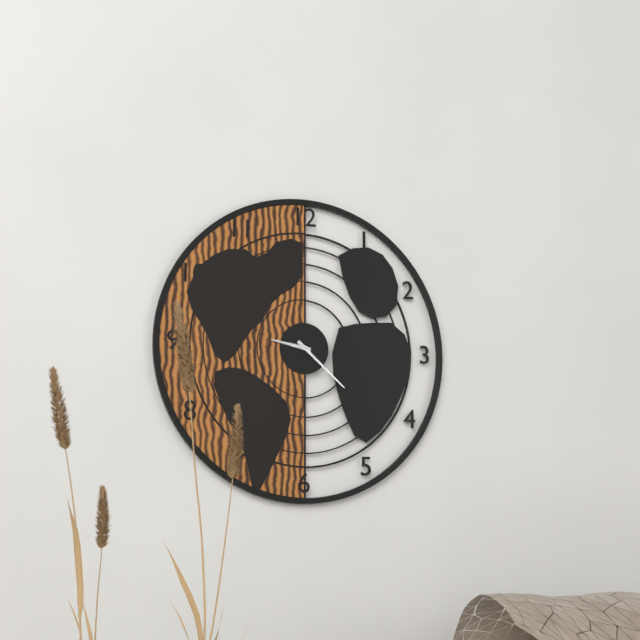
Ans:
h=9 m=22
